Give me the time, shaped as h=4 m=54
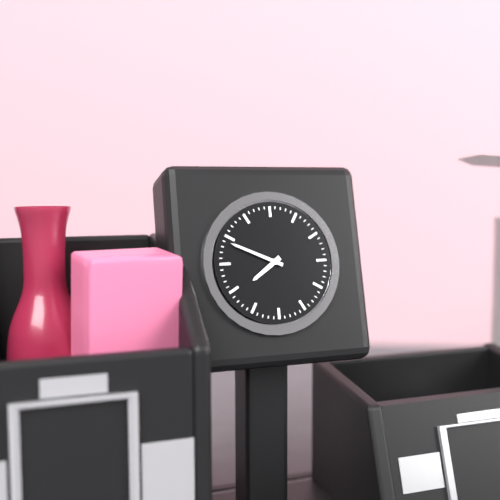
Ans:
h=7 m=49
